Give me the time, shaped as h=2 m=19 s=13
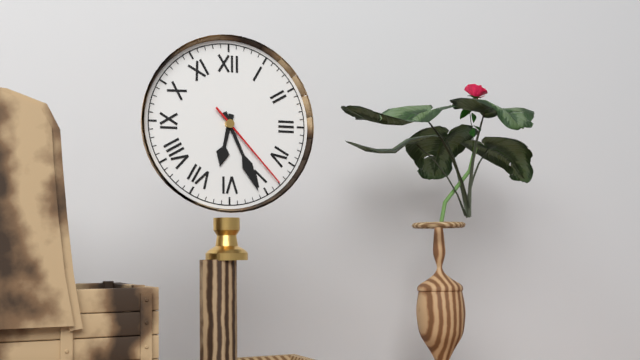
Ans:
h=6 m=26 s=23
